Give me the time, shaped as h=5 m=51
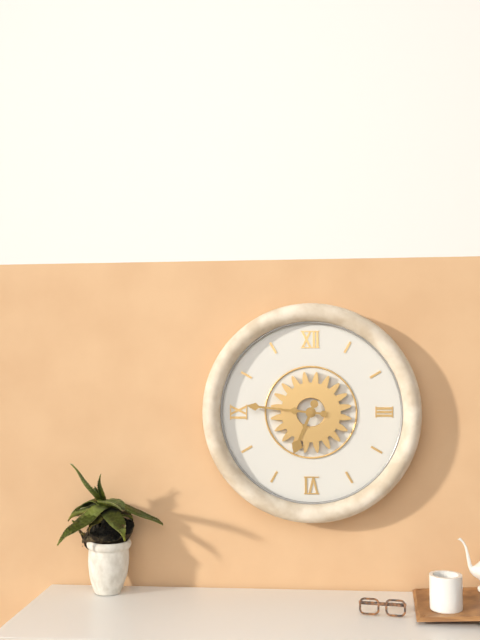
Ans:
h=6 m=46
